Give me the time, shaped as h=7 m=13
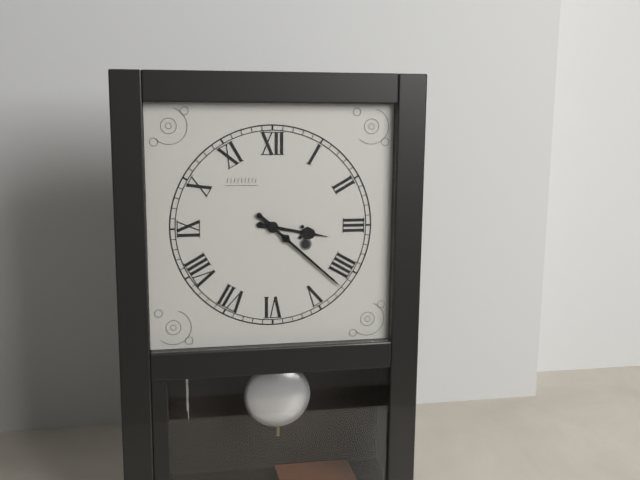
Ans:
h=3 m=22
